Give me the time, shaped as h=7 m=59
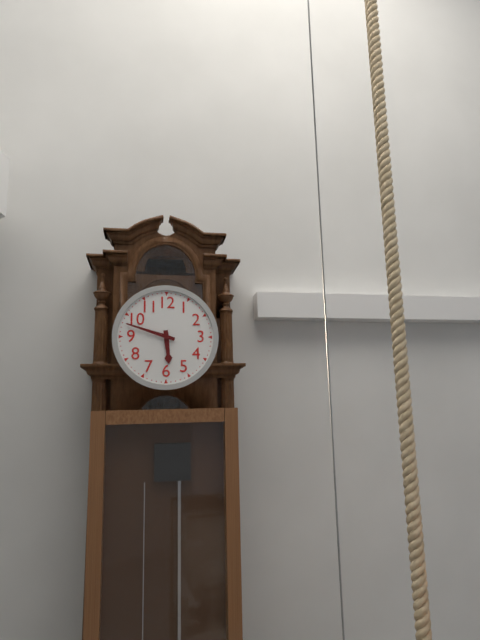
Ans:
h=5 m=48
